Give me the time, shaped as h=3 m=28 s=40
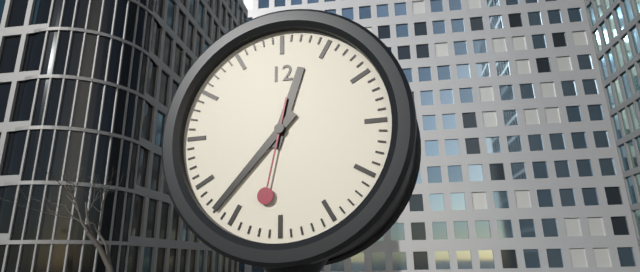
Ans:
h=12 m=37 s=32
